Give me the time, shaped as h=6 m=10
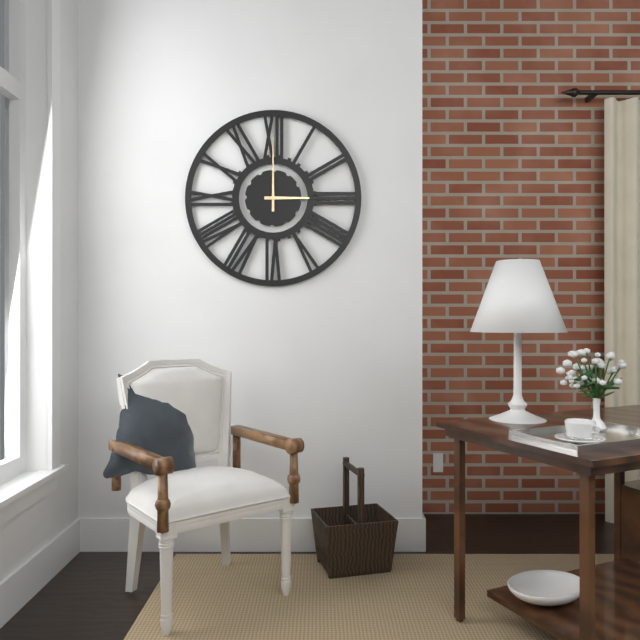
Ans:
h=3 m=0
